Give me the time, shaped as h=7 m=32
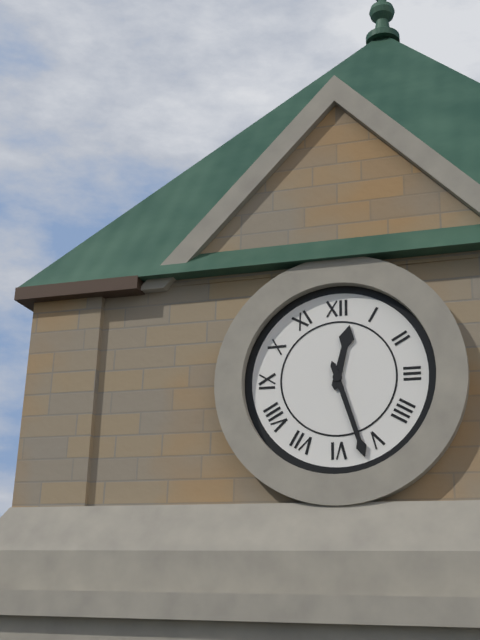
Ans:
h=12 m=27
